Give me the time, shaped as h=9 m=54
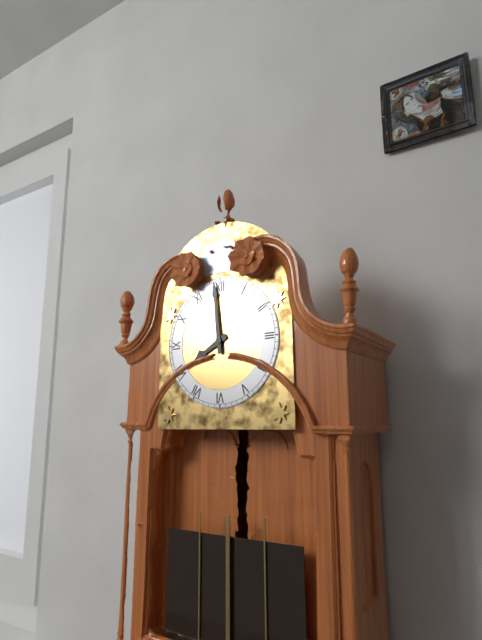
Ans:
h=7 m=59
